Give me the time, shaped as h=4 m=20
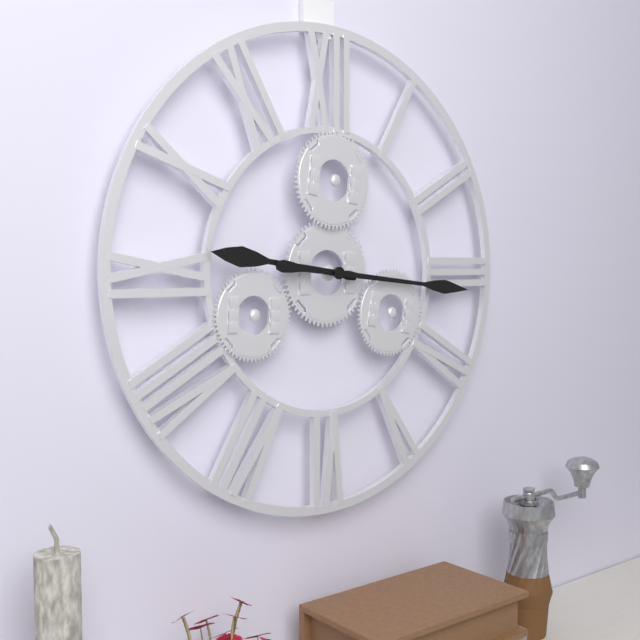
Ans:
h=9 m=16
